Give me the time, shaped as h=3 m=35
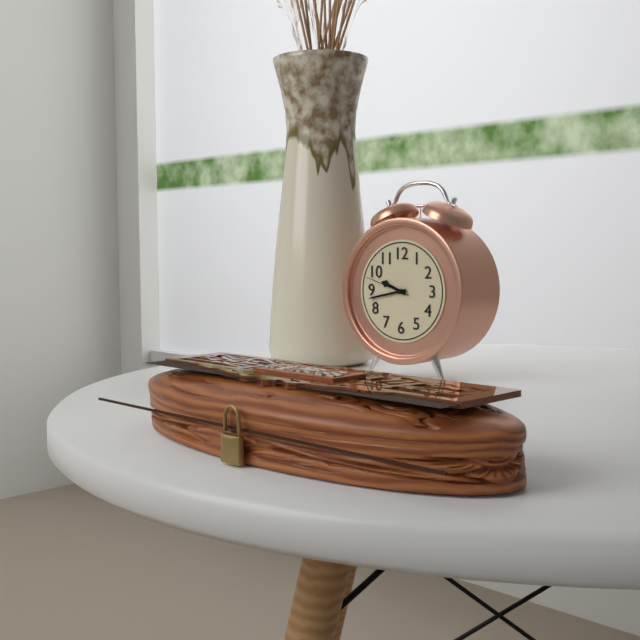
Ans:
h=9 m=43
